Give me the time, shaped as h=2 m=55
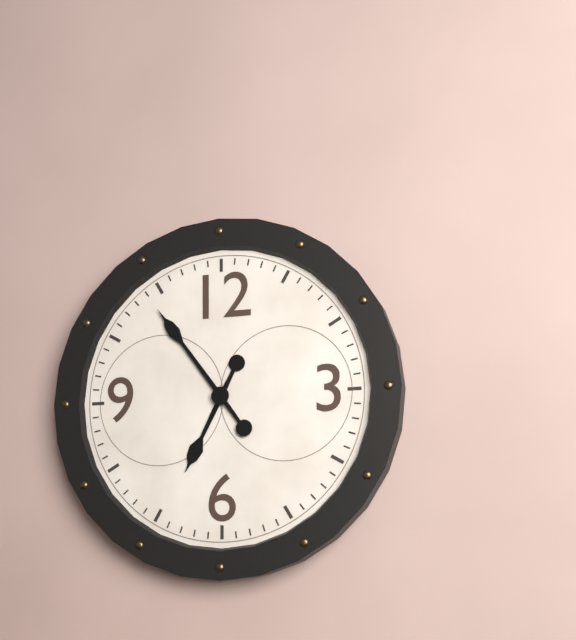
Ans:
h=6 m=54
